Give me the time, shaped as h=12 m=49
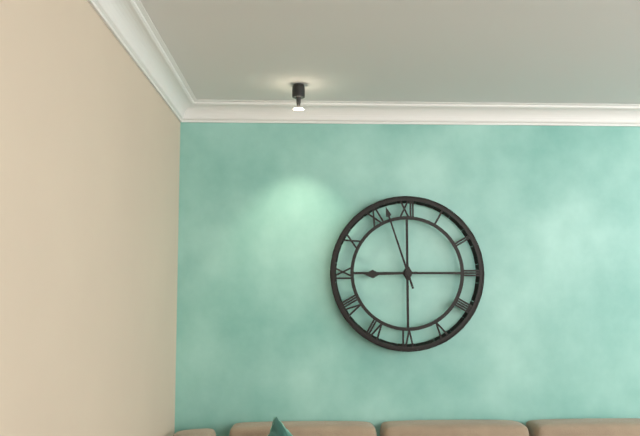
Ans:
h=8 m=57
